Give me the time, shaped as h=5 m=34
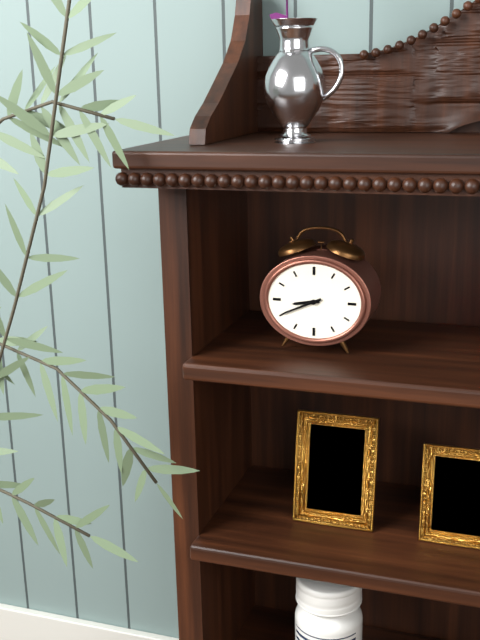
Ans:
h=8 m=41
